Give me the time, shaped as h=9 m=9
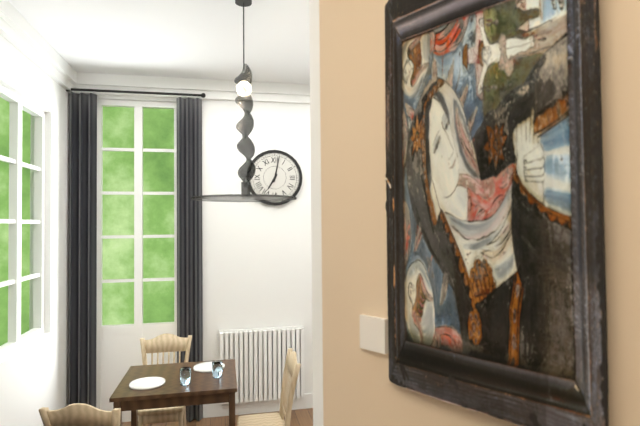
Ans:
h=7 m=2
